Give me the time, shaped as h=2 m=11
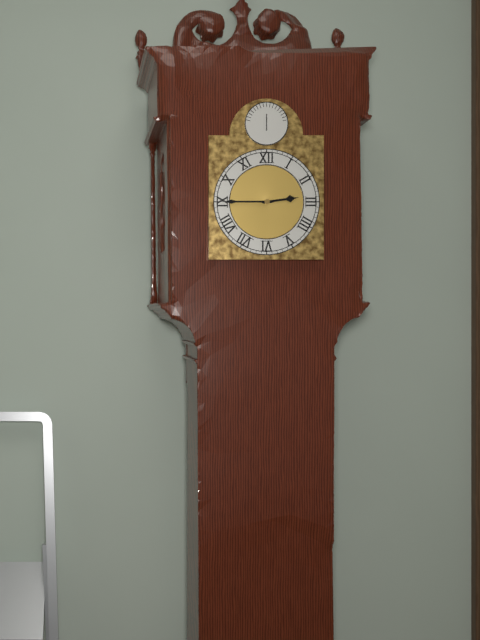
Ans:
h=2 m=45
